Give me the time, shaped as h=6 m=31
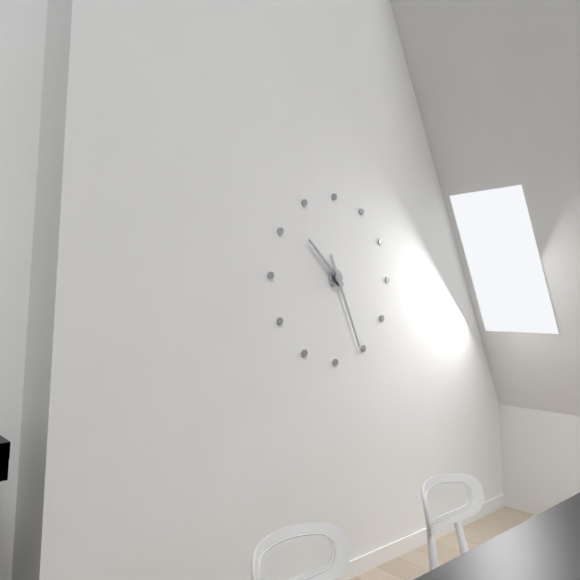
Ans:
h=10 m=26
